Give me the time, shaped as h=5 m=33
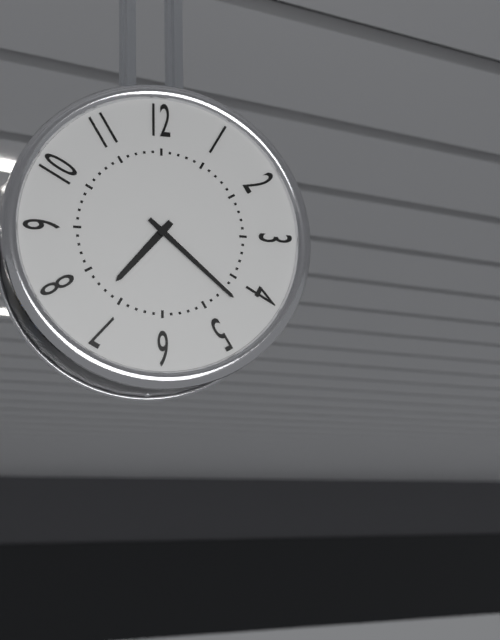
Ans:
h=7 m=22
